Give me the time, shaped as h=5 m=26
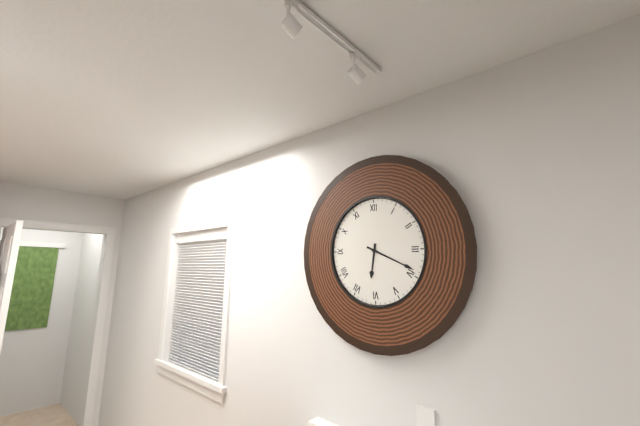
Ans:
h=6 m=19
